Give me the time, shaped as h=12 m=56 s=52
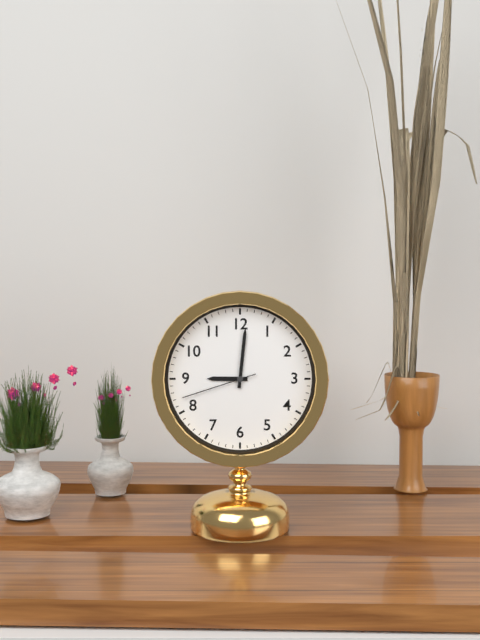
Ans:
h=9 m=1 s=42
